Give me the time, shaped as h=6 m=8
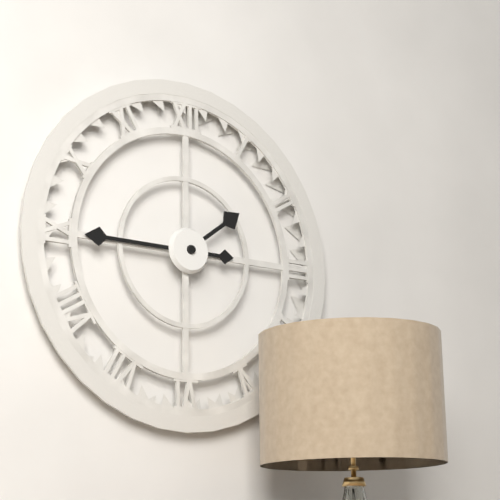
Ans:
h=1 m=45
